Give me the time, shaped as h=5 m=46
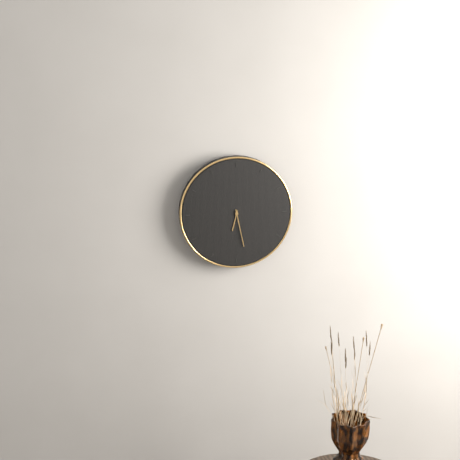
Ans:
h=6 m=28
